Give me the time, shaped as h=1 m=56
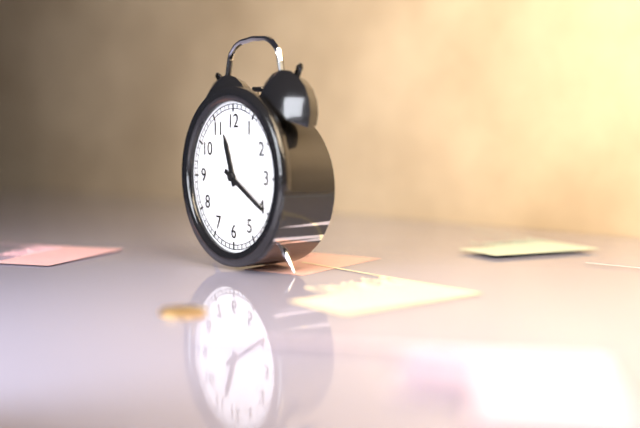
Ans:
h=11 m=20
